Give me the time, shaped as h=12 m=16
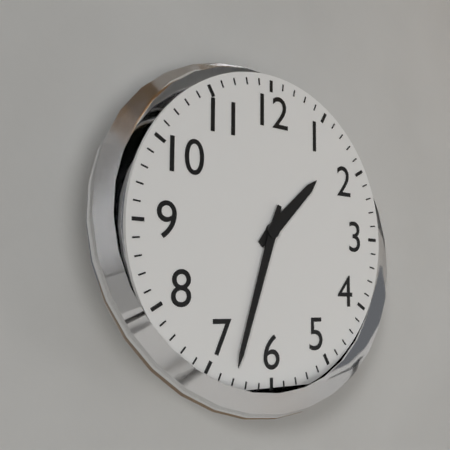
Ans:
h=1 m=33
